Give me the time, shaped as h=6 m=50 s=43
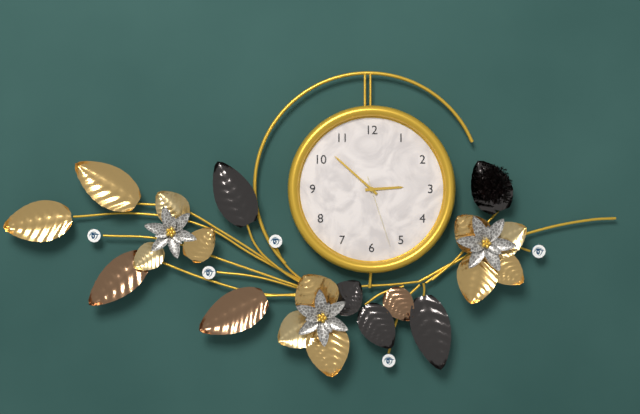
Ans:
h=2 m=52 s=27
